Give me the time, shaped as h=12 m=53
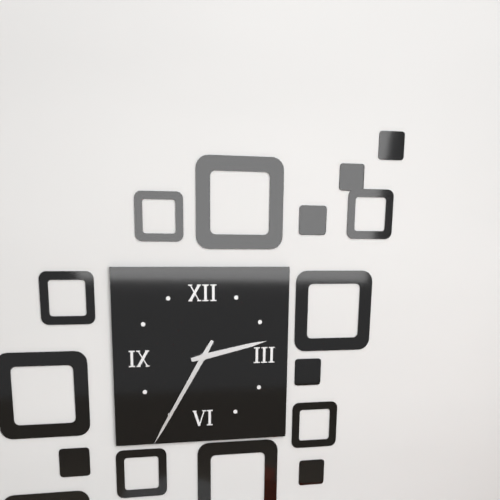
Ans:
h=2 m=35
